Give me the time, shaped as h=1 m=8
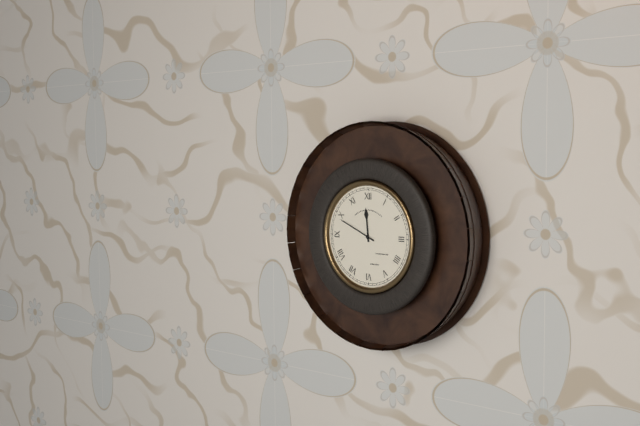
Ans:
h=11 m=49
